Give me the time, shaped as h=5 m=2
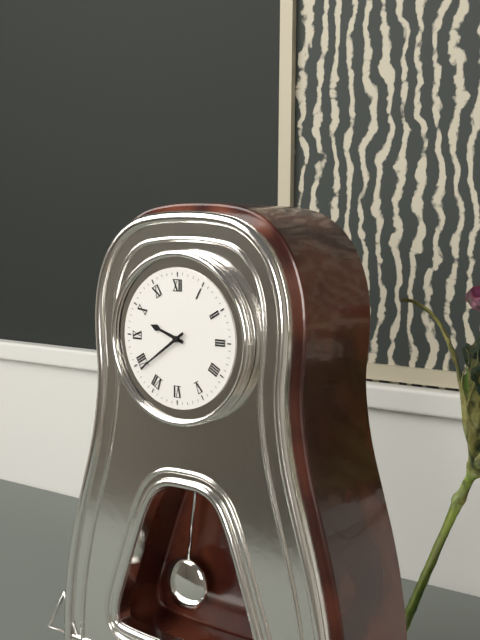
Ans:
h=9 m=39
